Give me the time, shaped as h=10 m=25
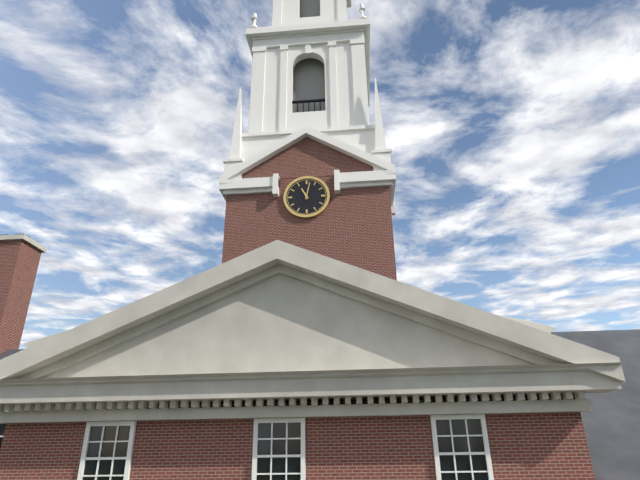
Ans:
h=11 m=2
